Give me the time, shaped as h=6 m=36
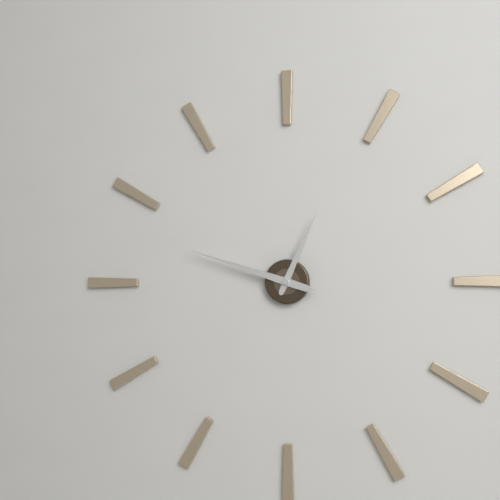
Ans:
h=12 m=48
